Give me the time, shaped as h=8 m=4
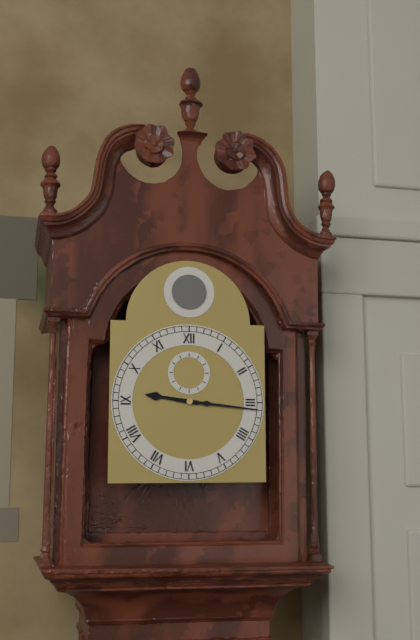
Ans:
h=9 m=16
